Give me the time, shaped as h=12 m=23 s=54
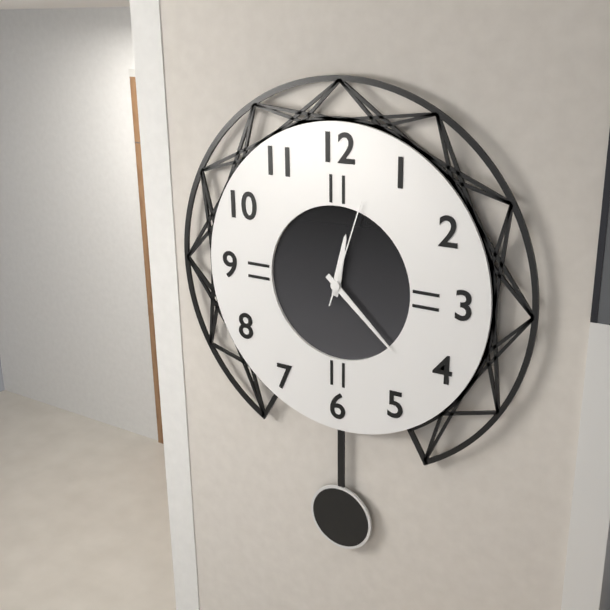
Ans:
h=12 m=22 s=3
